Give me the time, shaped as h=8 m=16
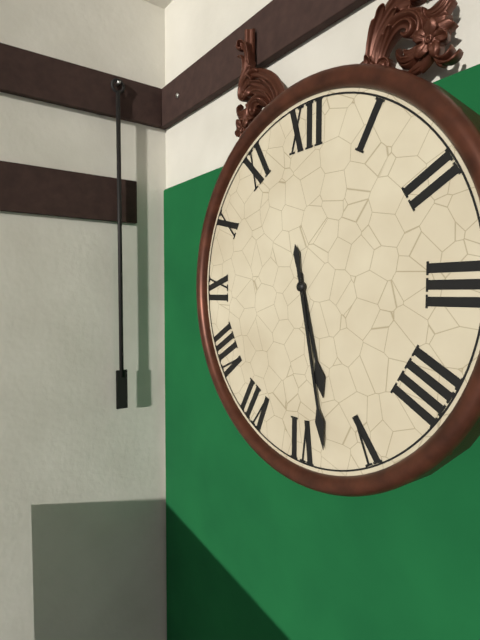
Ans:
h=5 m=28
